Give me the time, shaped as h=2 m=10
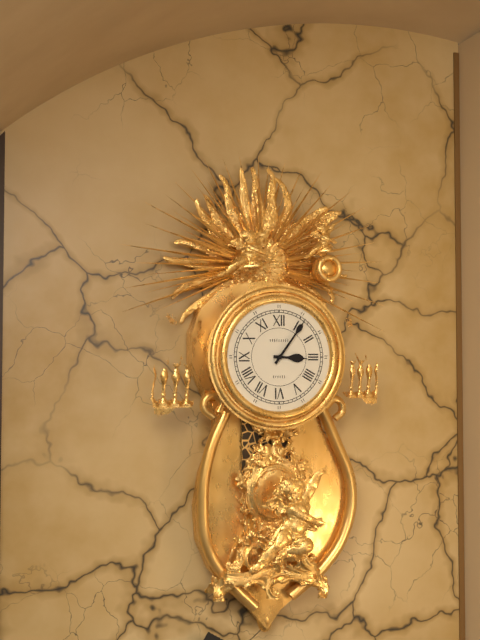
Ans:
h=3 m=6
